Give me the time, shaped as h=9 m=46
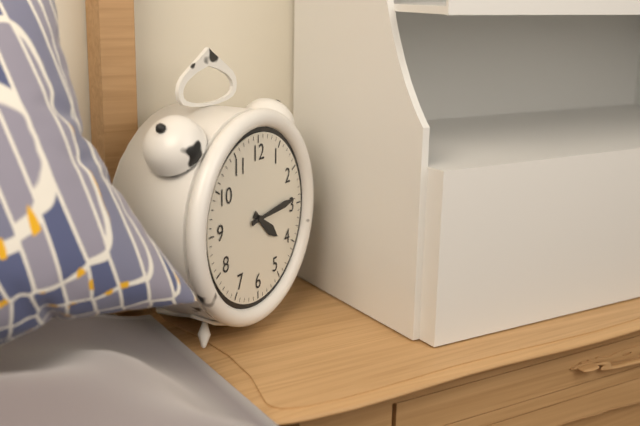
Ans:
h=4 m=14
